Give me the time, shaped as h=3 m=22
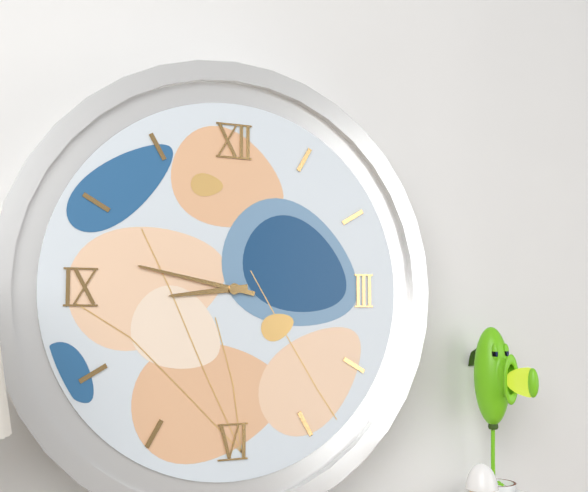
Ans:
h=8 m=47
